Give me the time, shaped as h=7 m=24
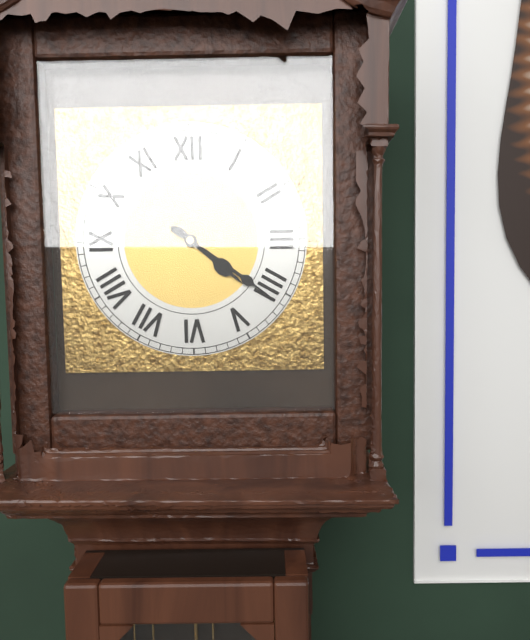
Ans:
h=4 m=21
